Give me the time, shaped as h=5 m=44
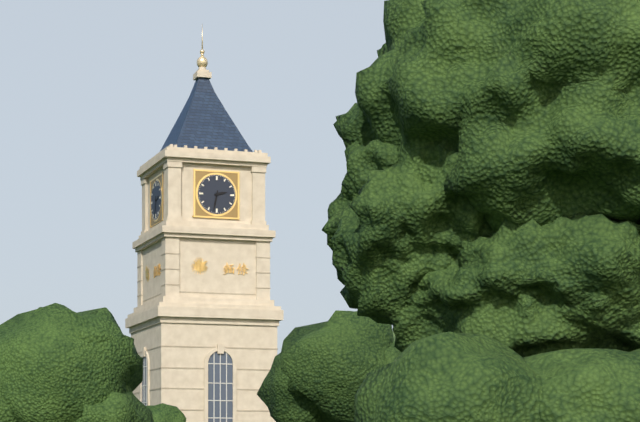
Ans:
h=2 m=32
